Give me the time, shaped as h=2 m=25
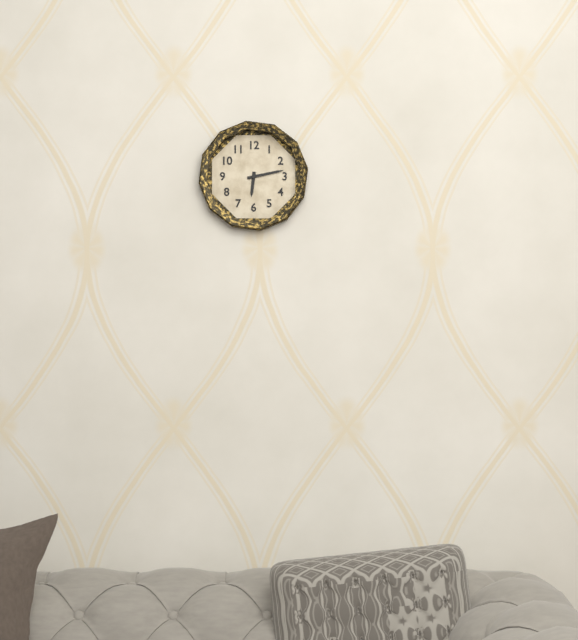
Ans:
h=6 m=13
